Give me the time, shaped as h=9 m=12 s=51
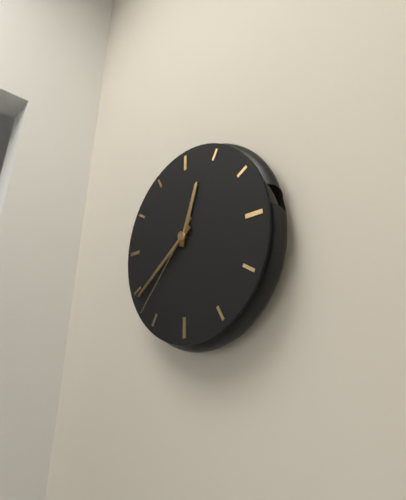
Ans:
h=12 m=39 s=37
